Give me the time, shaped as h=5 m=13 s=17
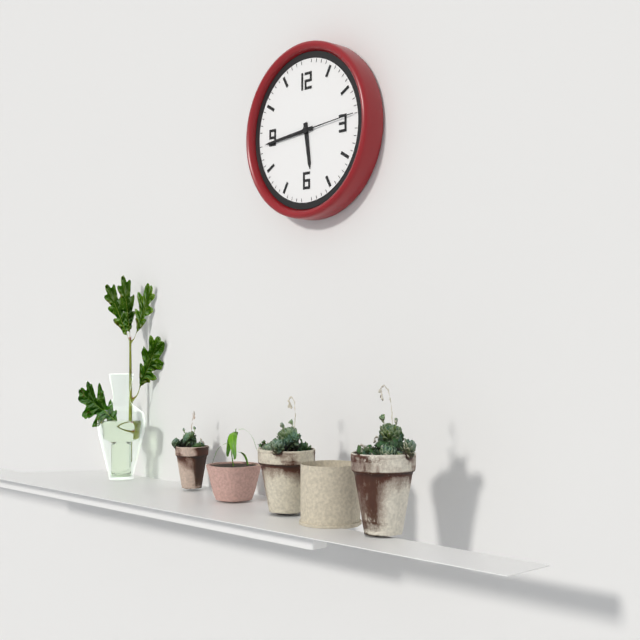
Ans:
h=5 m=44 s=14
